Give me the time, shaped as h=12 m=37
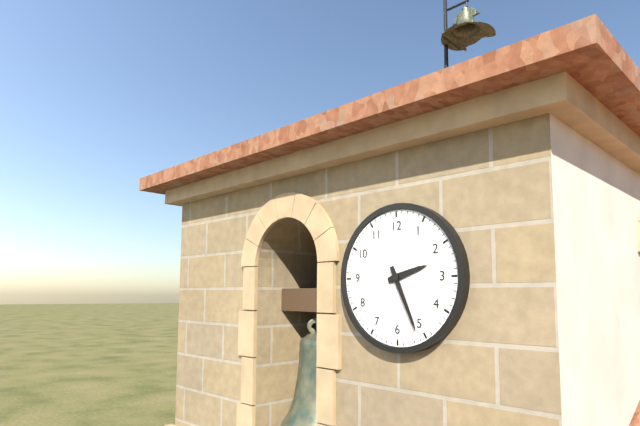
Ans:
h=2 m=26
